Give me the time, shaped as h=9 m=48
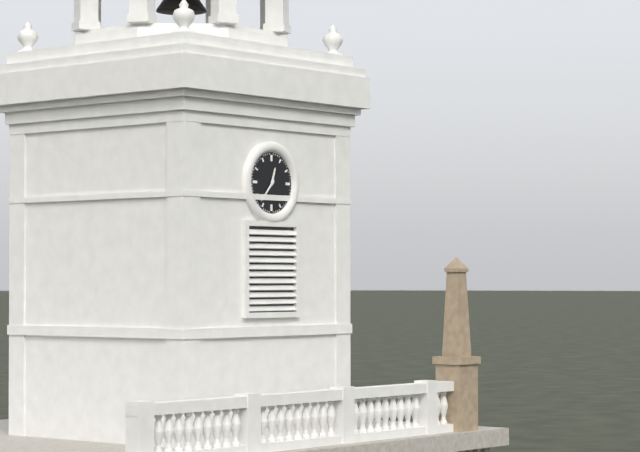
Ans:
h=12 m=37
